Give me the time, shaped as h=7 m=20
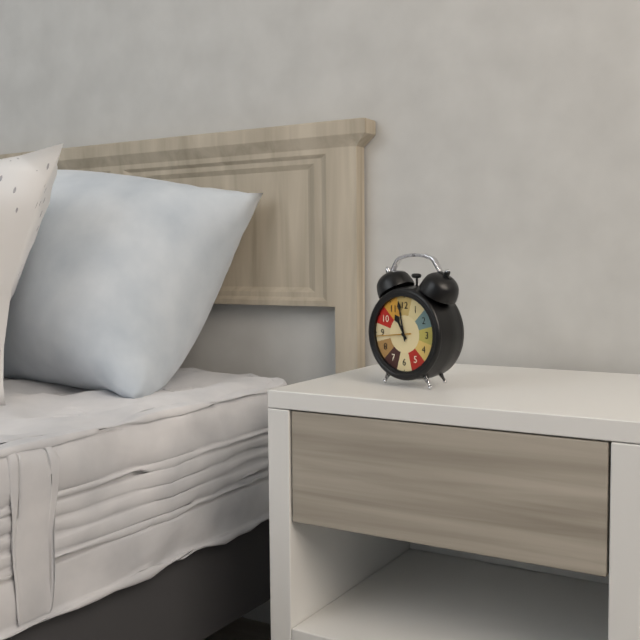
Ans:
h=10 m=58
